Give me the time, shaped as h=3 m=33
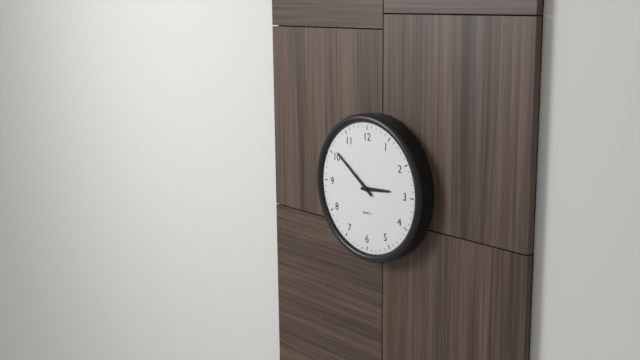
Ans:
h=2 m=51
